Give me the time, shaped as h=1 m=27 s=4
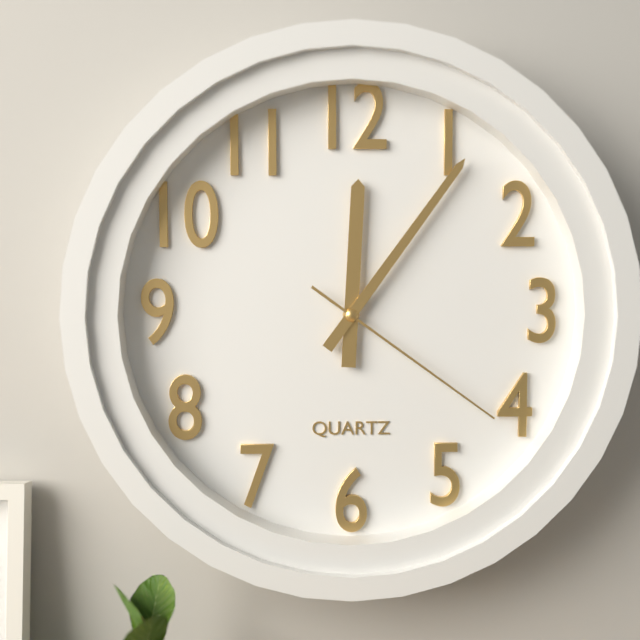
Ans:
h=12 m=6 s=21
